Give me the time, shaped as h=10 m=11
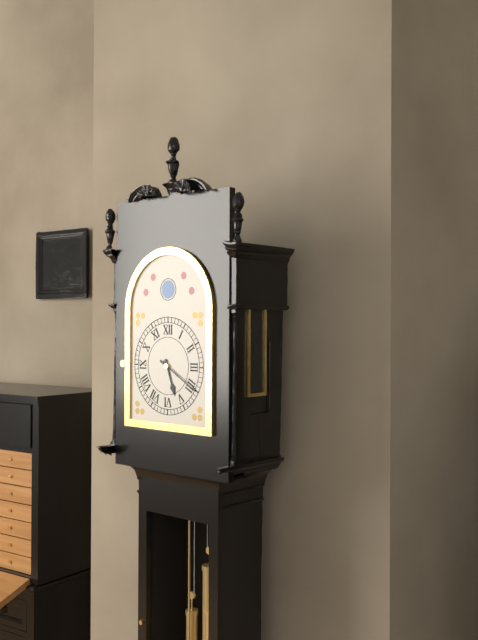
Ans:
h=5 m=20
